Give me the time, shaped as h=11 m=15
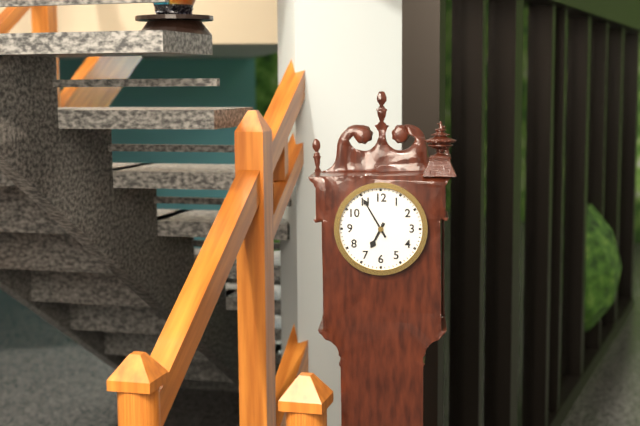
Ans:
h=6 m=55
